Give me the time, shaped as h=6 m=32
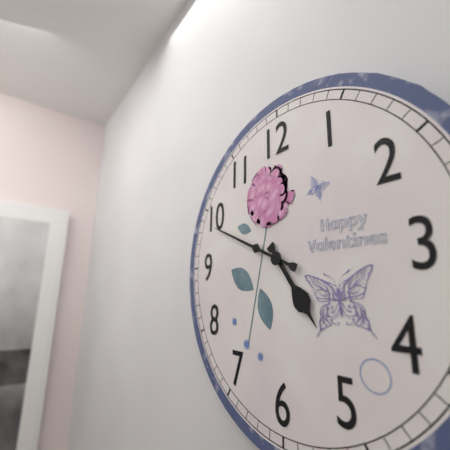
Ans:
h=4 m=49
